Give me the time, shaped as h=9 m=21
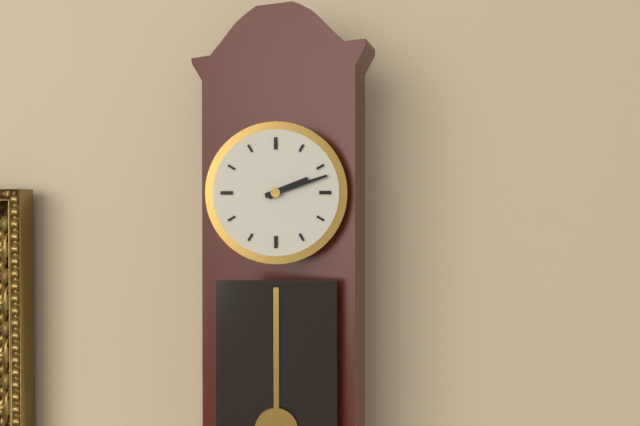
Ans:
h=2 m=12
